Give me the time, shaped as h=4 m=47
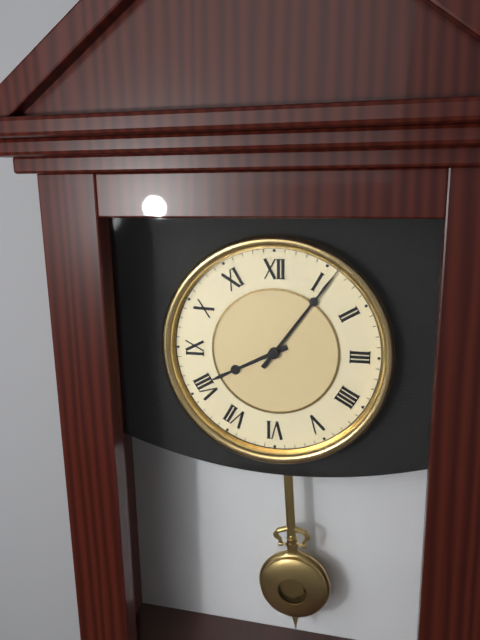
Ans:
h=8 m=6
